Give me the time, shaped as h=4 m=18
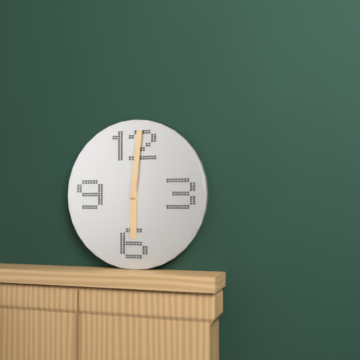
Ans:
h=6 m=1
